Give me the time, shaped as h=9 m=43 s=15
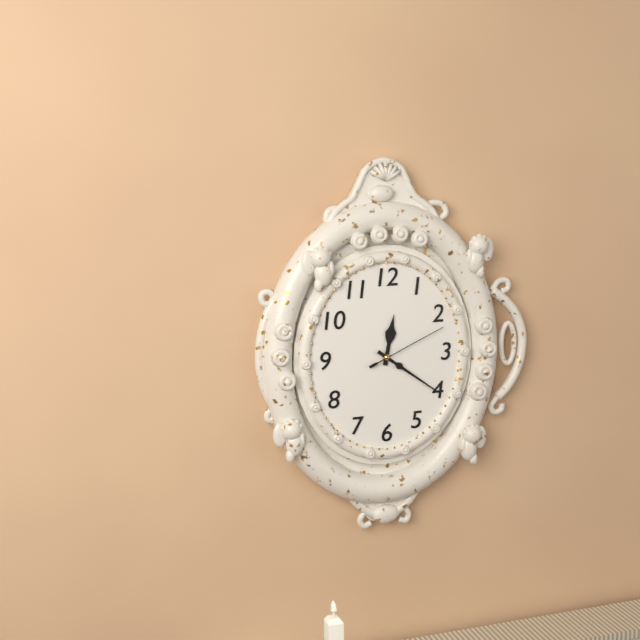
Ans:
h=12 m=21 s=11
